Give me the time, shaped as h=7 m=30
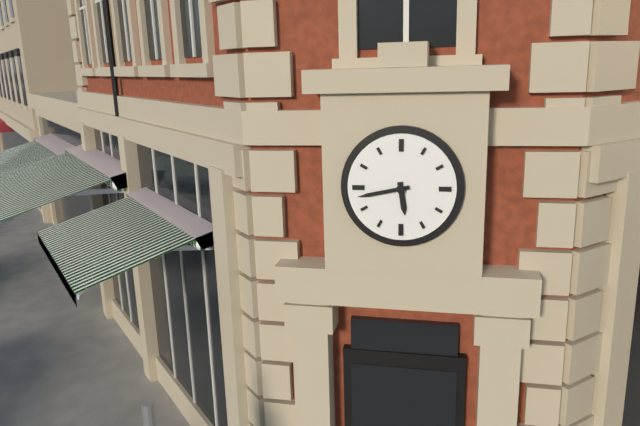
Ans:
h=5 m=43
